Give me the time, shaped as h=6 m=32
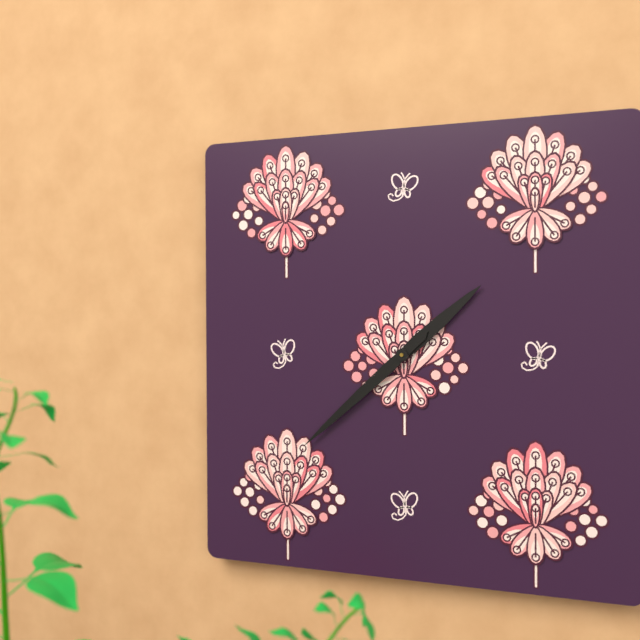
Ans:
h=1 m=38
